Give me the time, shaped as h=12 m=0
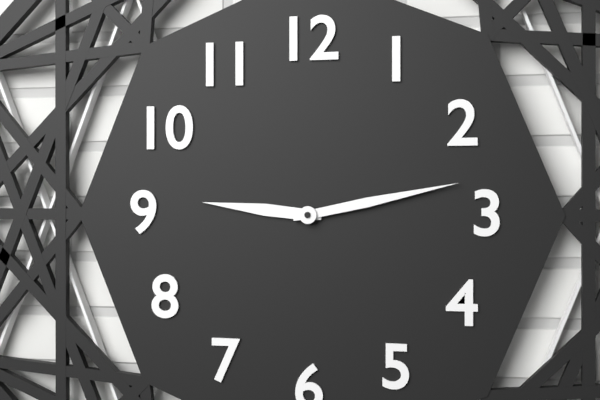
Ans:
h=9 m=13
